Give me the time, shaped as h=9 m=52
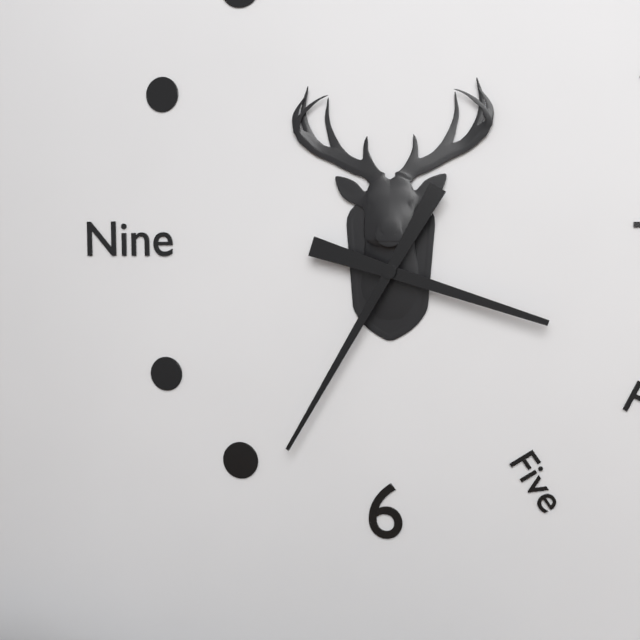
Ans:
h=3 m=35
